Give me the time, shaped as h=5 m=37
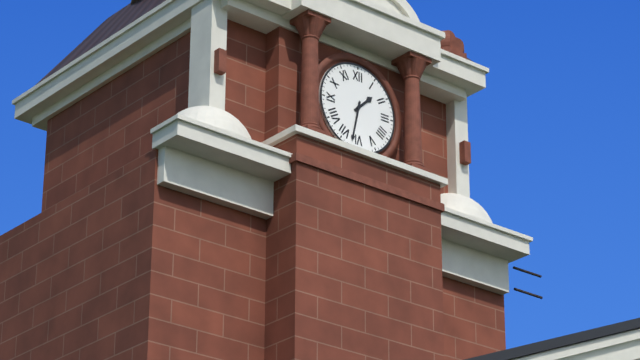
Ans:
h=1 m=32
